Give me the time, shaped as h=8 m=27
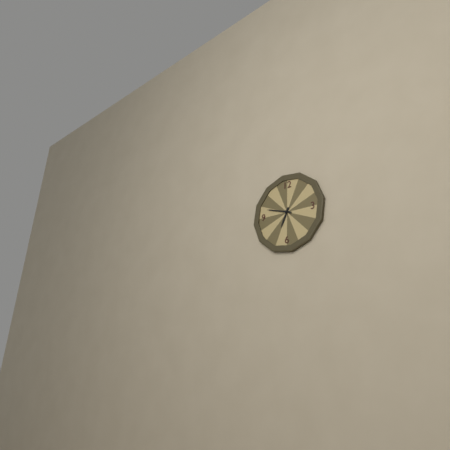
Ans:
h=6 m=48
